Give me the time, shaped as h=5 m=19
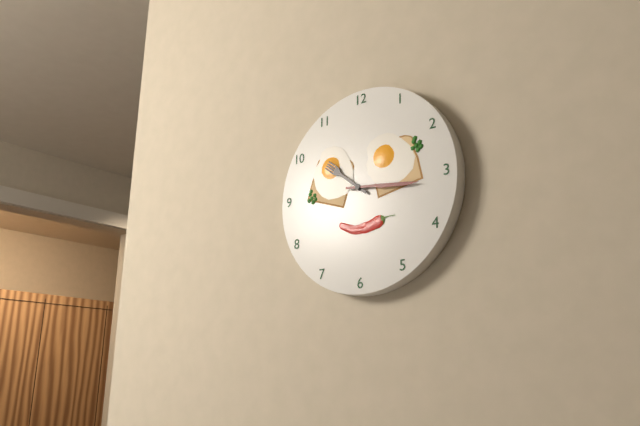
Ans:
h=10 m=16
